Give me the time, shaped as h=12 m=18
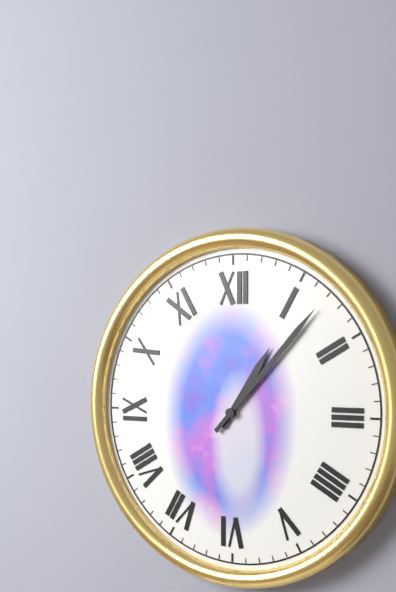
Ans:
h=1 m=7
